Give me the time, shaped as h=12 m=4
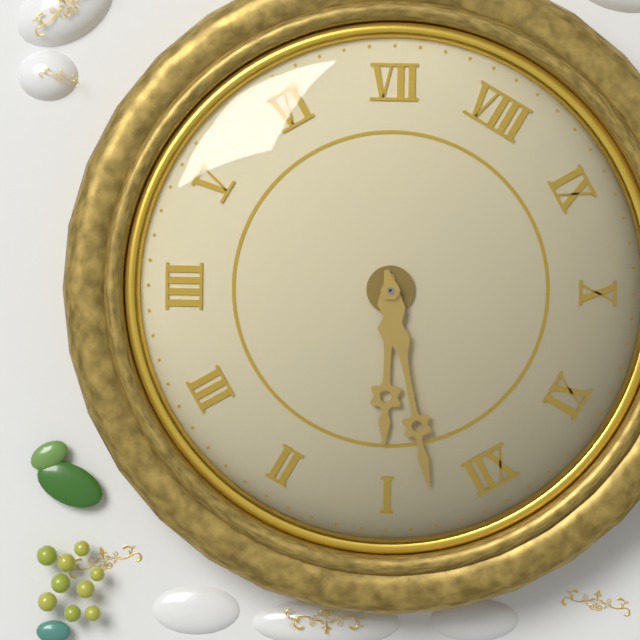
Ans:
h=1 m=3
